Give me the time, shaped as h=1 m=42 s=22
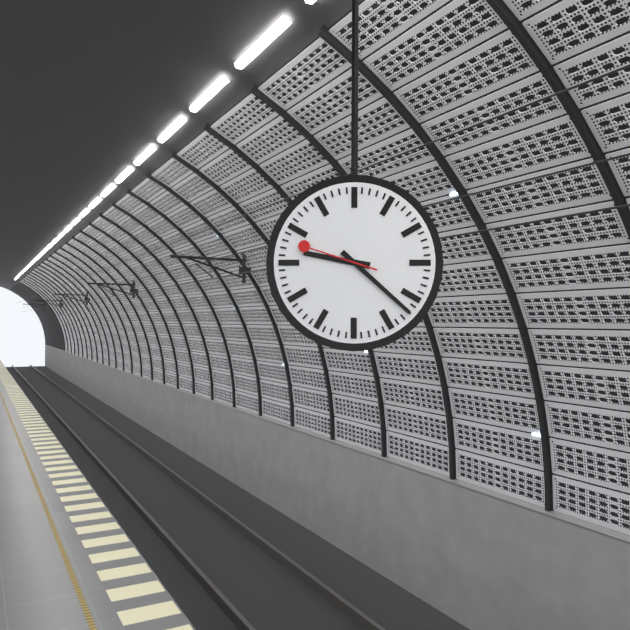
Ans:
h=9 m=22 s=48
